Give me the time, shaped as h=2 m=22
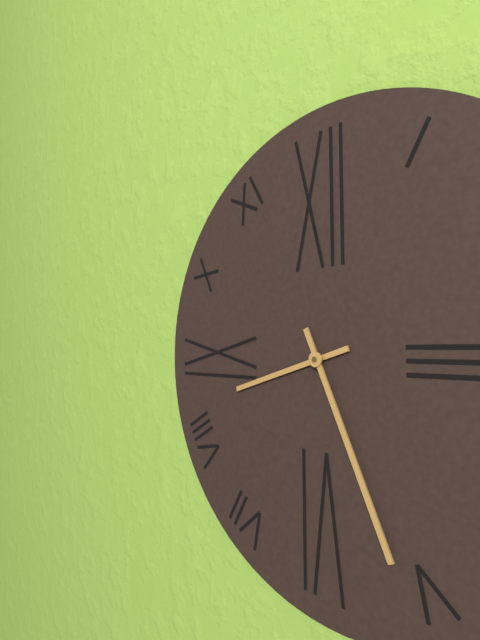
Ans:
h=8 m=26
